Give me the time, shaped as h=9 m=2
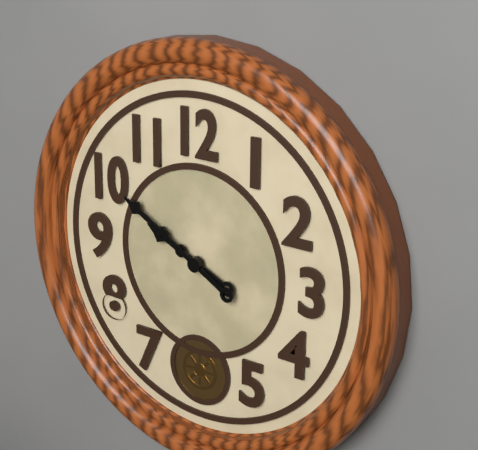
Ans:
h=9 m=50
